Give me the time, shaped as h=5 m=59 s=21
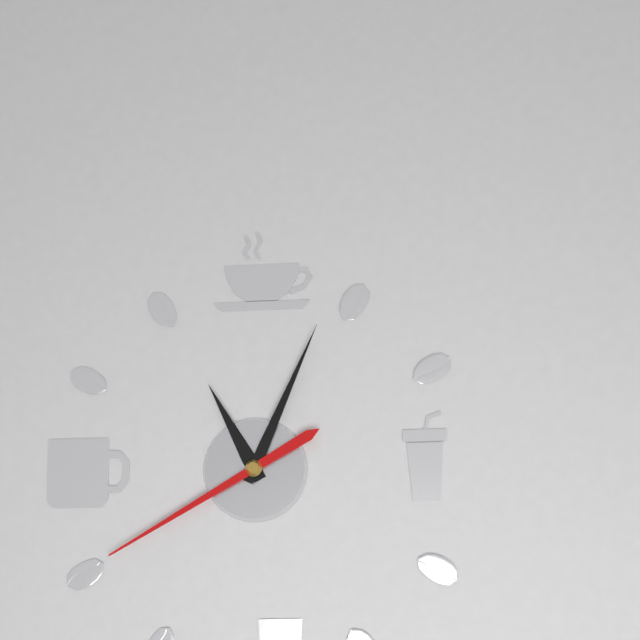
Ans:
h=11 m=4 s=40
